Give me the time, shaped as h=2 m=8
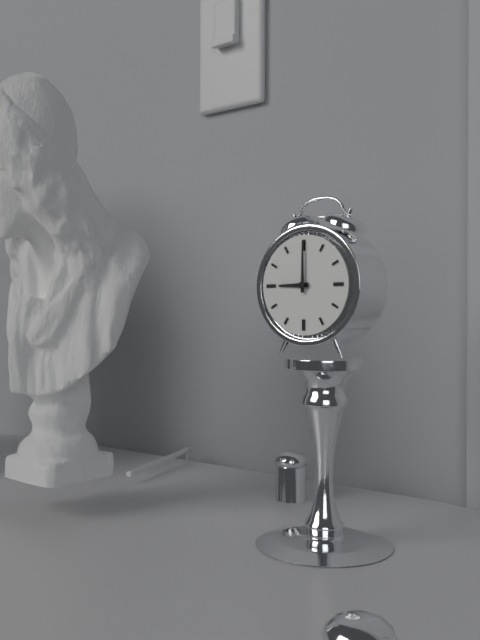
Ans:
h=9 m=0
